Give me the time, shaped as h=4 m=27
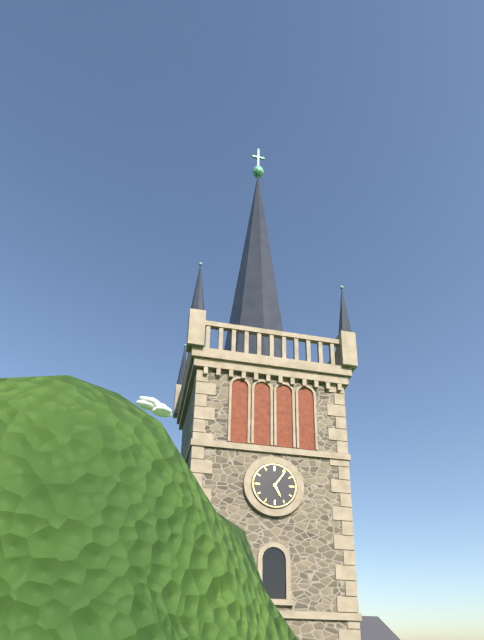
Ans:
h=5 m=6
